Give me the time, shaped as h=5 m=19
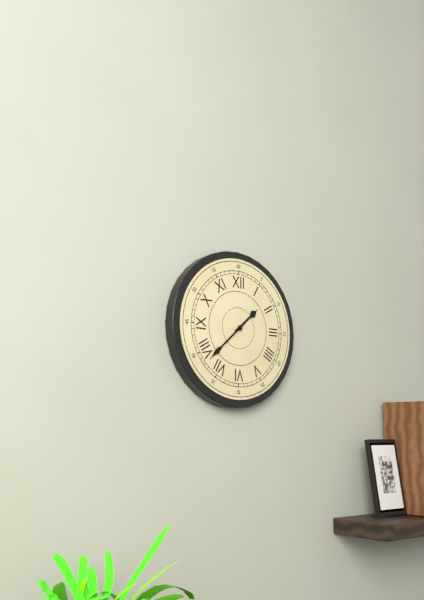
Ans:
h=1 m=38
